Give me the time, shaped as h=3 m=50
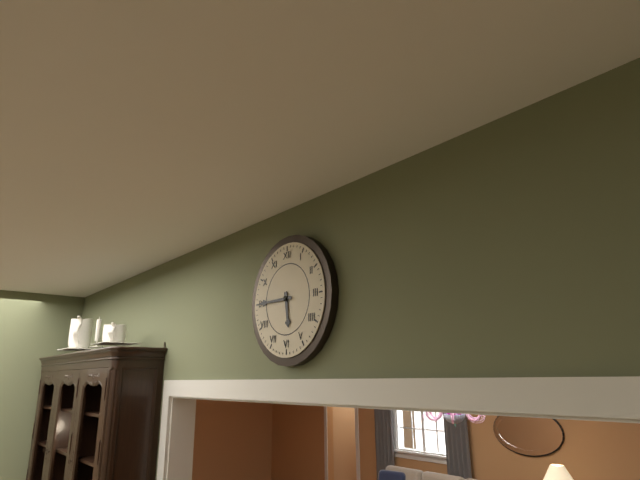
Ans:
h=5 m=45
